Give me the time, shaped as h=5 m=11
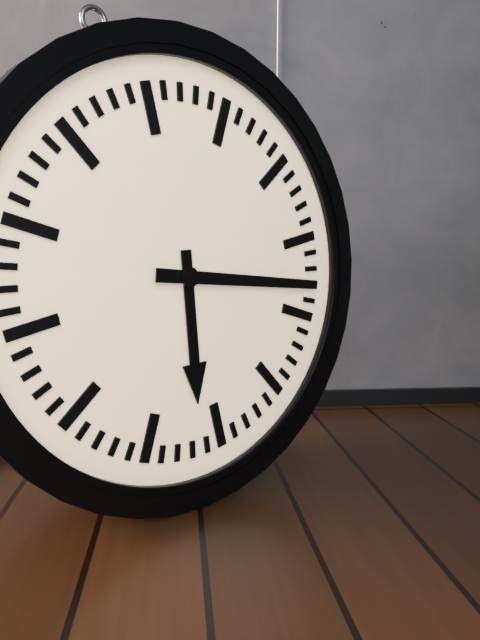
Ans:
h=6 m=18
